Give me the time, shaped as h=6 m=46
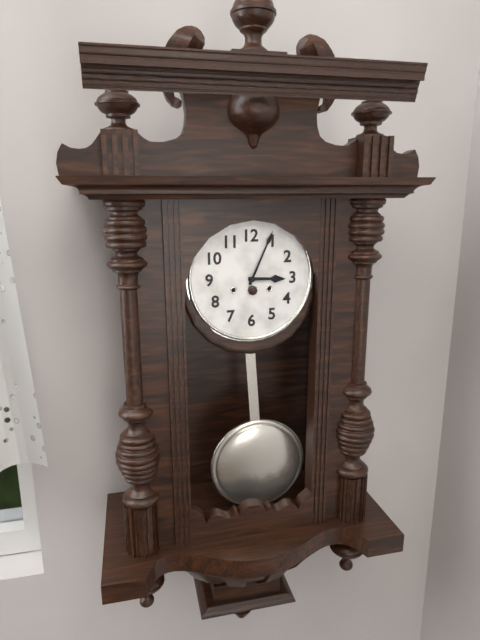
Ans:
h=3 m=4
